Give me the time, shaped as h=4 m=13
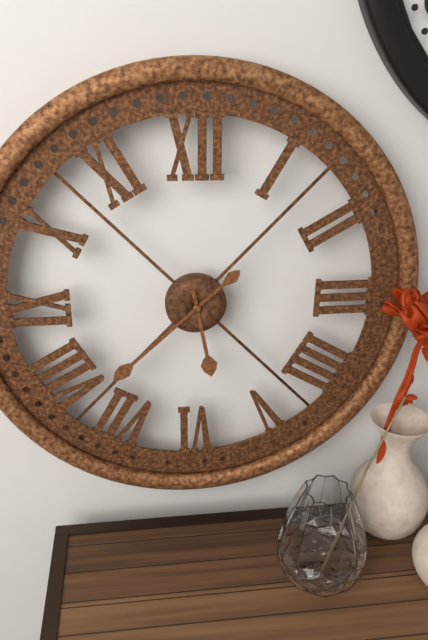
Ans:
h=5 m=38
